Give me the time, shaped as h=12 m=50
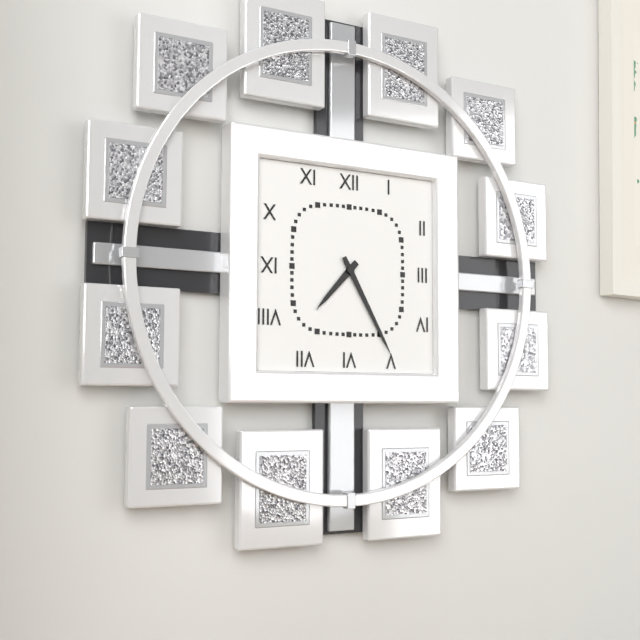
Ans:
h=7 m=25
